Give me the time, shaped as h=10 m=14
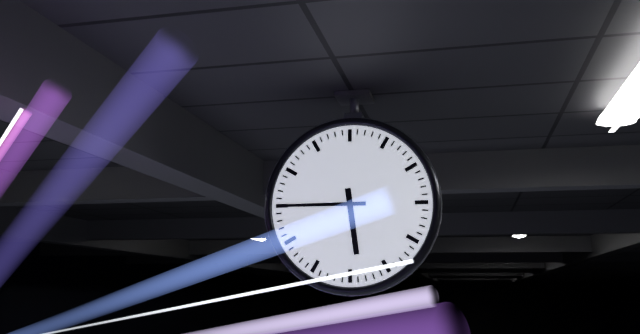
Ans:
h=5 m=45
